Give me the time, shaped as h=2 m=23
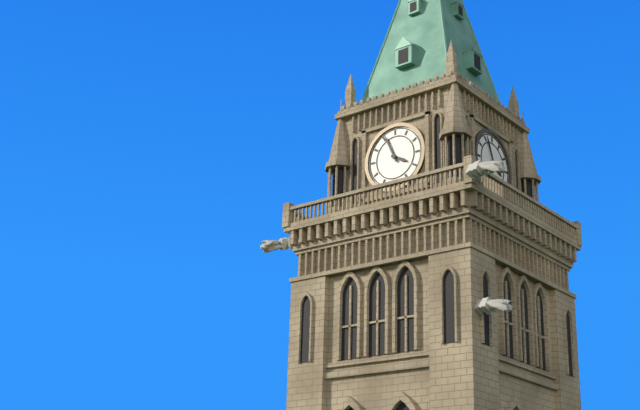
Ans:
h=3 m=56
